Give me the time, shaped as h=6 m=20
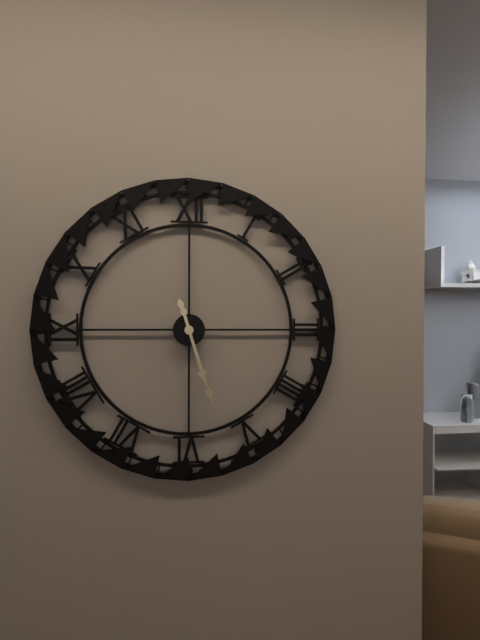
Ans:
h=5 m=27
